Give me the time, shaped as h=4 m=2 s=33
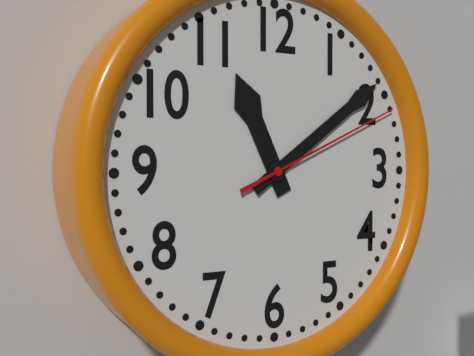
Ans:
h=11 m=9 s=11
